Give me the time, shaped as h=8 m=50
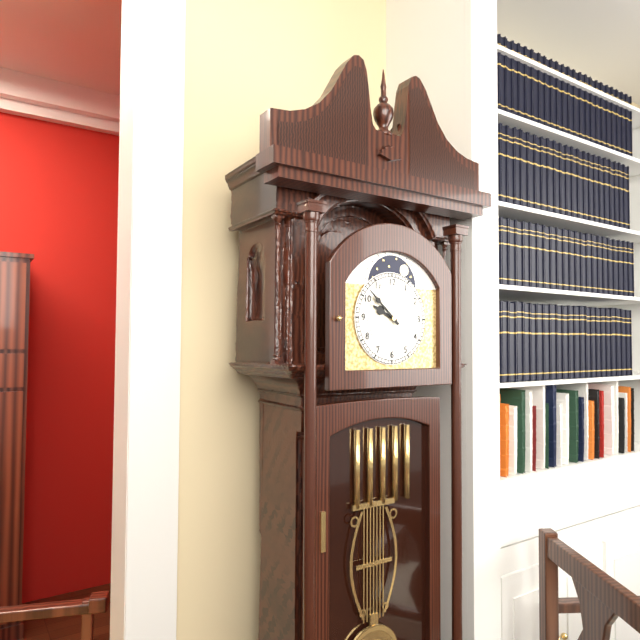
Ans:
h=9 m=52
